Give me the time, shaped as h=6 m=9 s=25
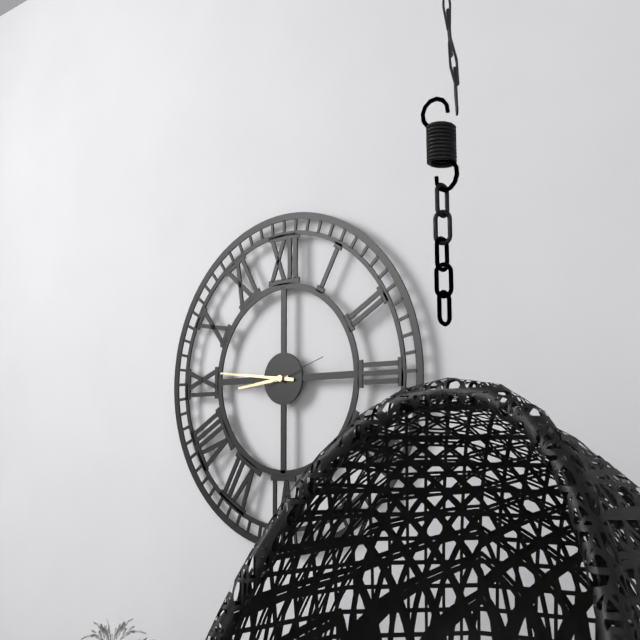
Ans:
h=8 m=46 s=12
